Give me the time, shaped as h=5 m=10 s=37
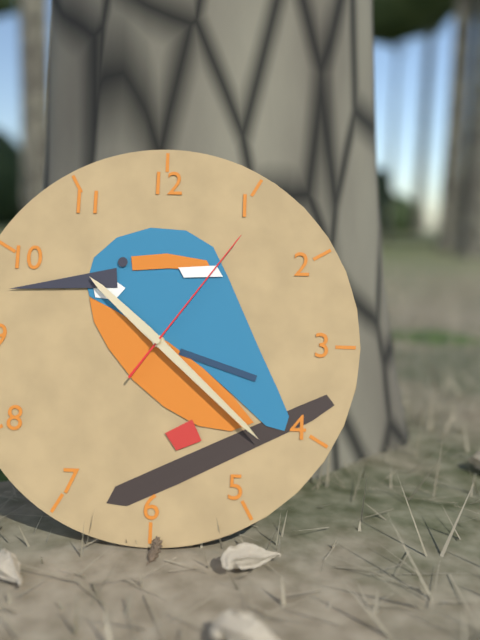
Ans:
h=10 m=22 s=6
